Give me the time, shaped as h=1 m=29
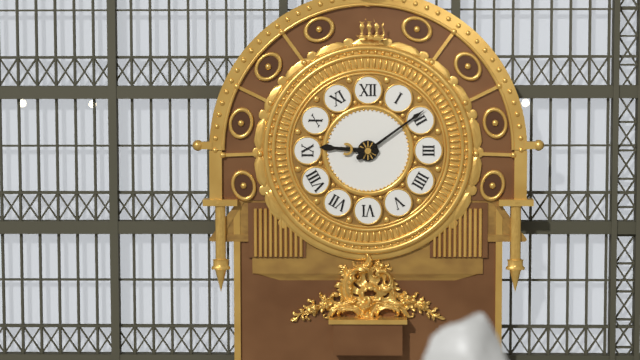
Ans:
h=9 m=9
